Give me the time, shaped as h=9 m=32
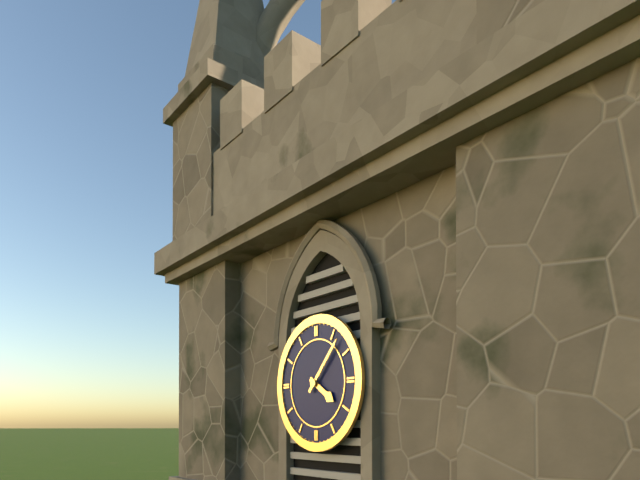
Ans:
h=4 m=7
